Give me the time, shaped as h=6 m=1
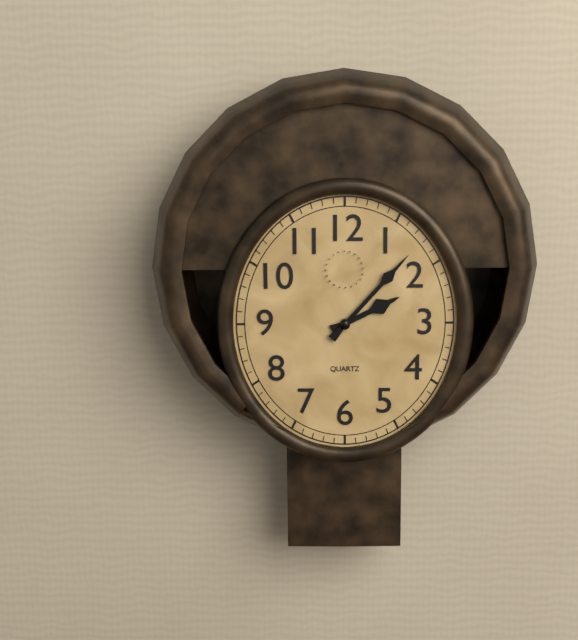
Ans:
h=2 m=7
